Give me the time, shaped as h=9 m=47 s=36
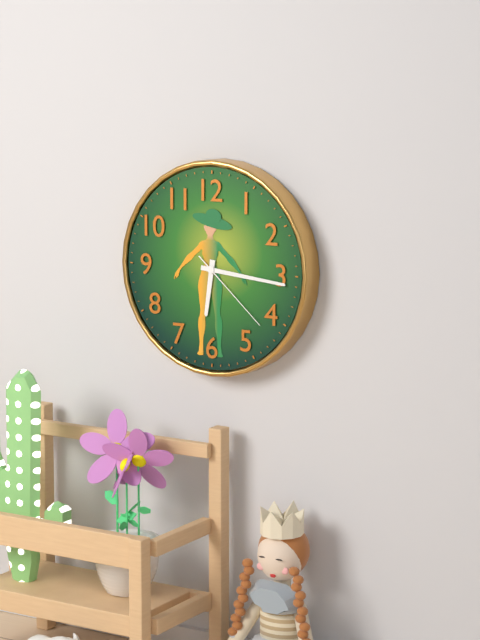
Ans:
h=6 m=16 s=22
